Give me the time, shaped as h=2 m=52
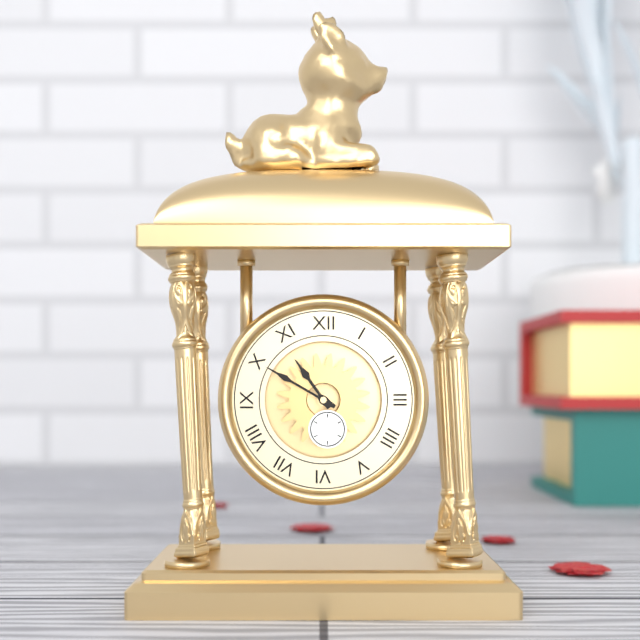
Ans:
h=10 m=50
